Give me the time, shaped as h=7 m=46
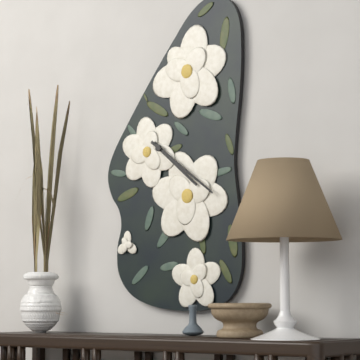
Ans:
h=4 m=21
